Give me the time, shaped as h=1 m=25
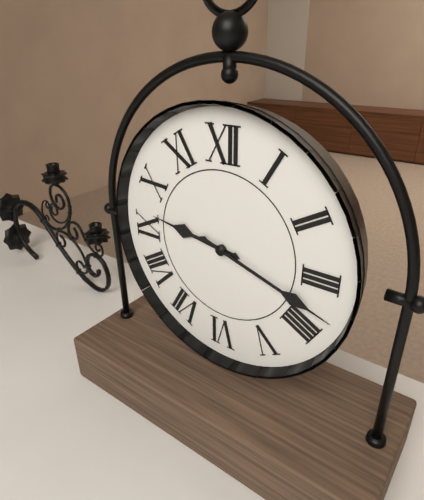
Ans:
h=9 m=18
